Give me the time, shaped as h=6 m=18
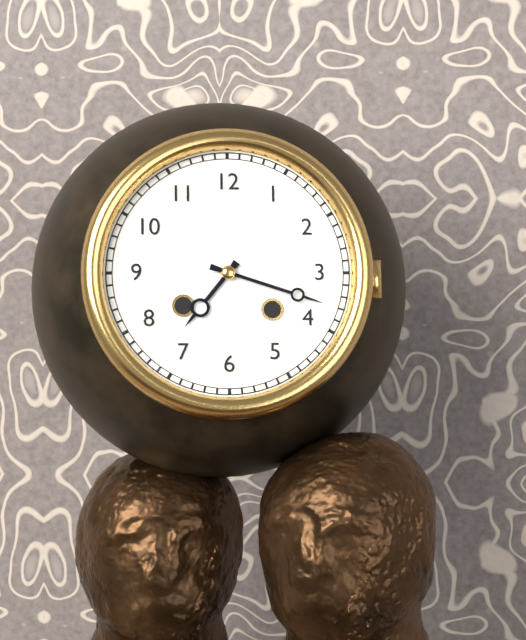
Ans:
h=7 m=18
